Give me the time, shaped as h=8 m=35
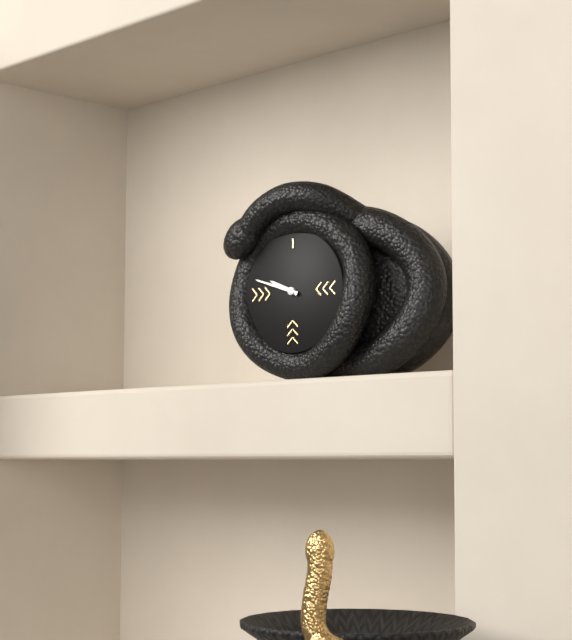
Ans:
h=9 m=48
